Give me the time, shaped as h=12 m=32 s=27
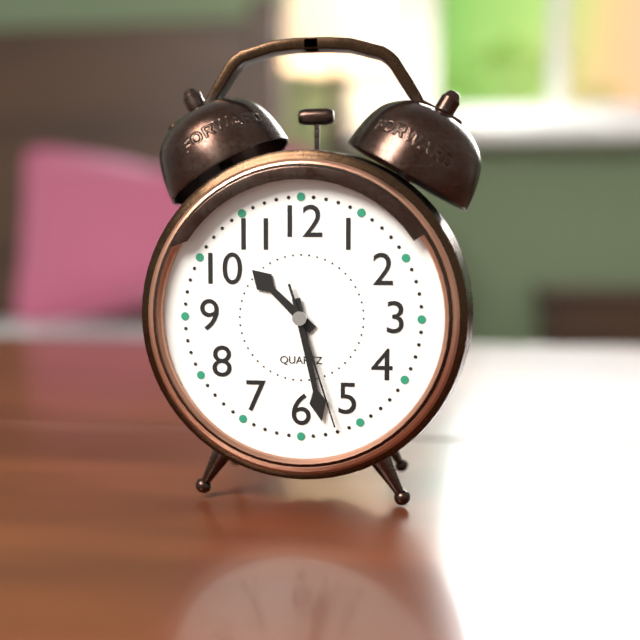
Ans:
h=10 m=28 s=27
